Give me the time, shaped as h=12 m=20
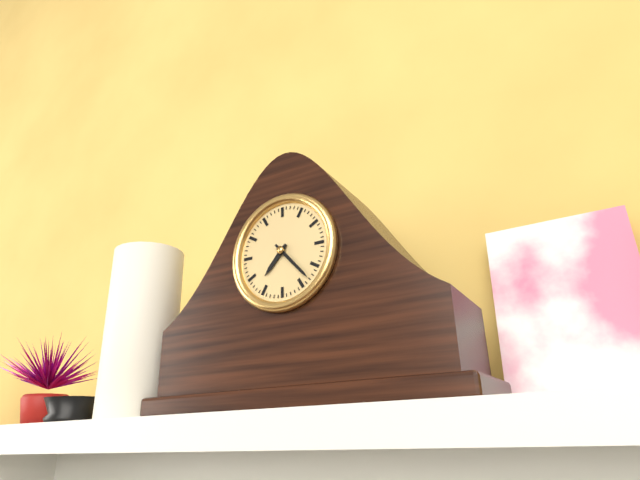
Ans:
h=7 m=23
